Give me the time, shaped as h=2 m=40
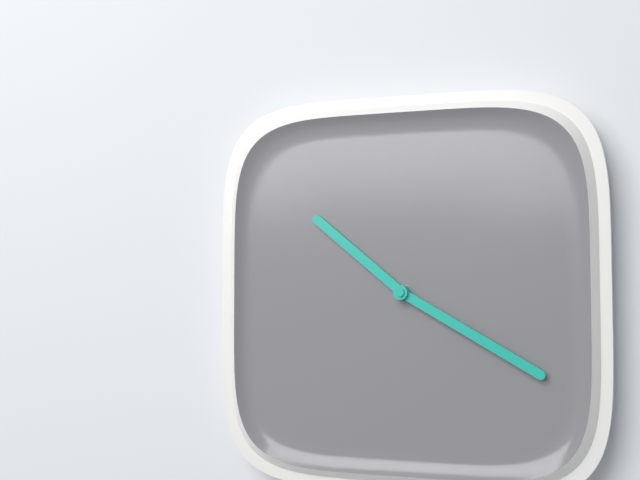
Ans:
h=10 m=20
